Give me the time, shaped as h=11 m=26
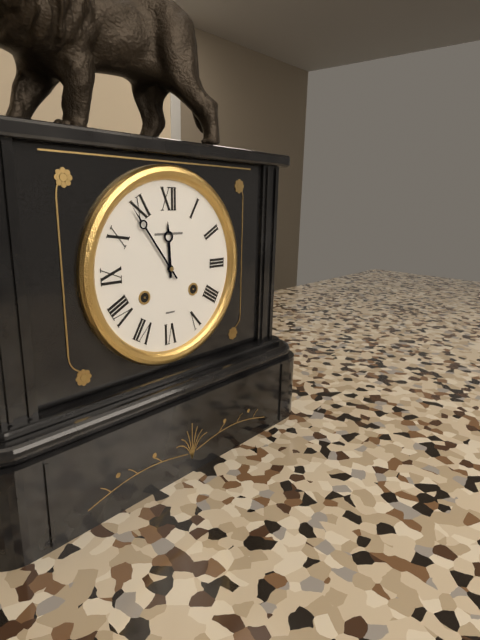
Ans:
h=11 m=54
